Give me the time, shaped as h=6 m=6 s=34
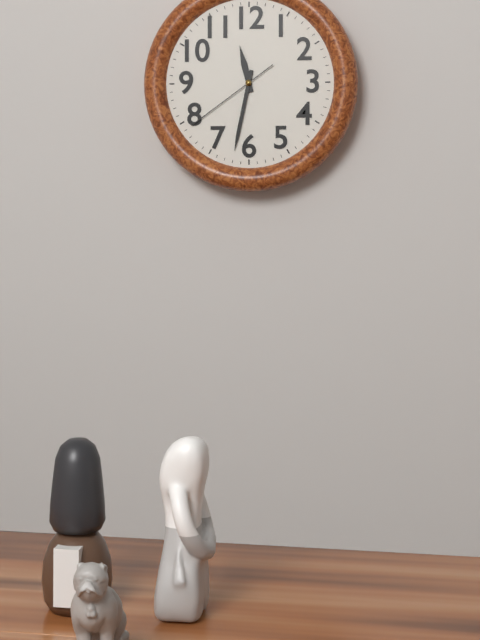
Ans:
h=11 m=32 s=39
